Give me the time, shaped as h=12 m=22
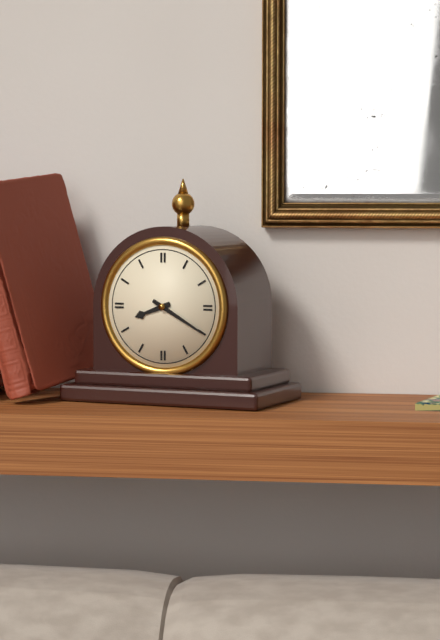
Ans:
h=8 m=20
